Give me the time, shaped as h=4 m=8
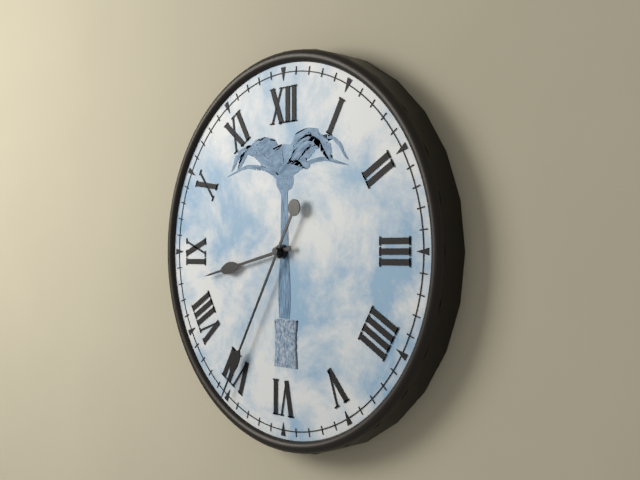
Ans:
h=8 m=35
